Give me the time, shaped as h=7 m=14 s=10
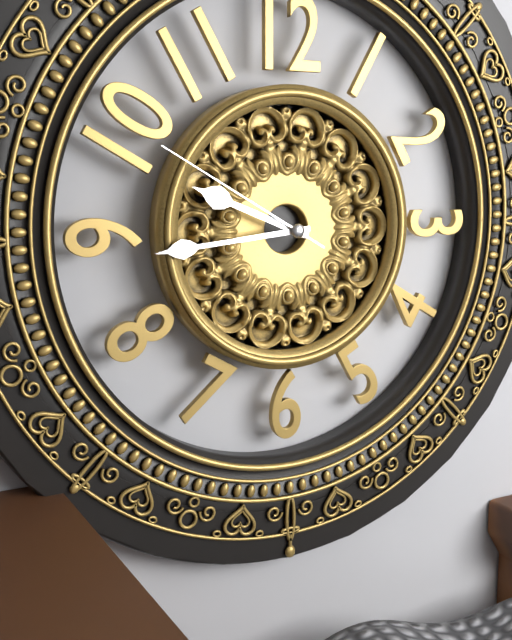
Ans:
h=9 m=44 s=50
